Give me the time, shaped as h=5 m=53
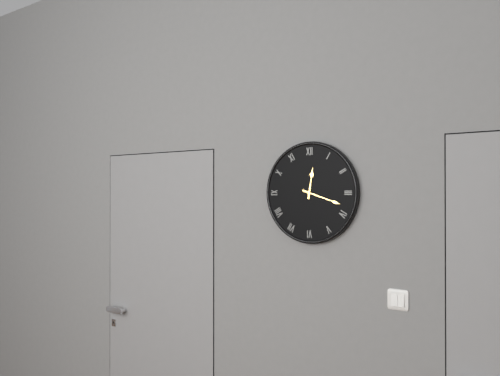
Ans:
h=12 m=18
